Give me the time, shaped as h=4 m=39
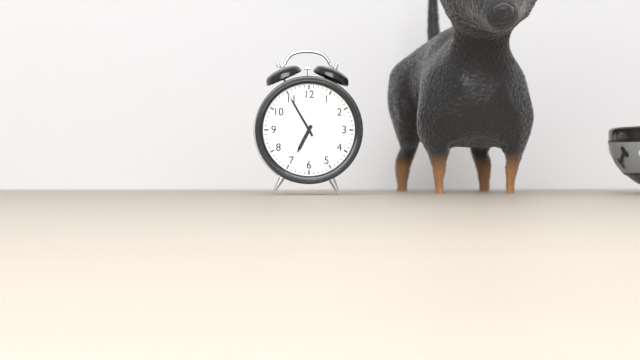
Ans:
h=6 m=55
